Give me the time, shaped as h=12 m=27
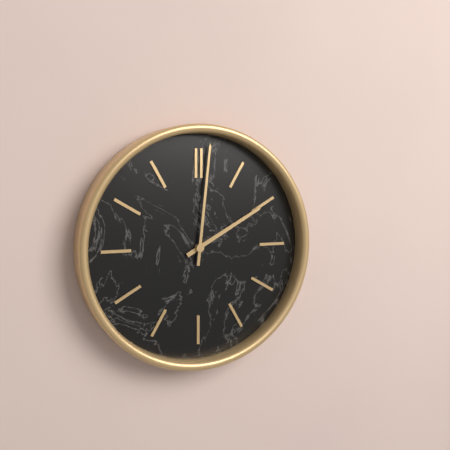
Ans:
h=2 m=1
